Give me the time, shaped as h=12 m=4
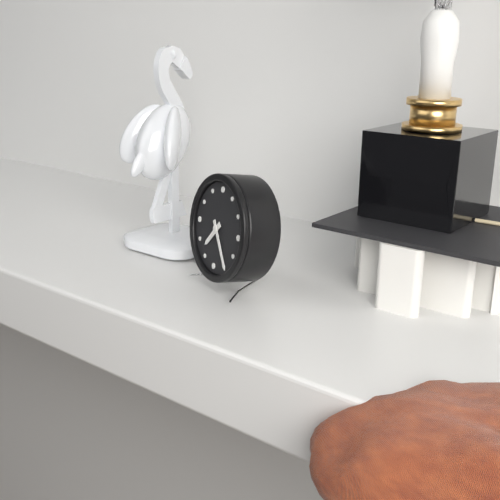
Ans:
h=7 m=24
